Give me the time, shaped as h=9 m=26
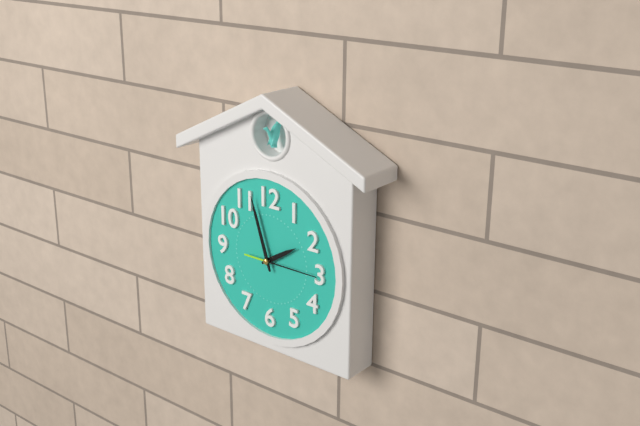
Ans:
h=1 m=57
